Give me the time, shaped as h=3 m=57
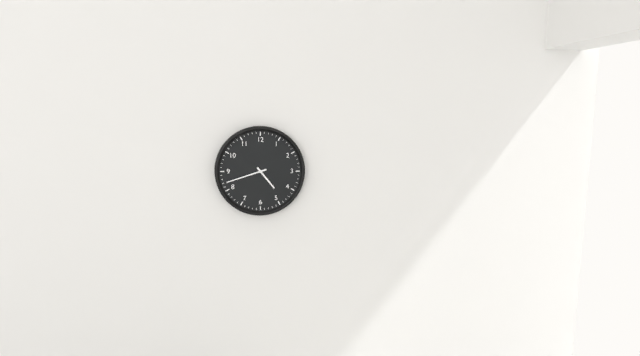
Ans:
h=4 m=42
